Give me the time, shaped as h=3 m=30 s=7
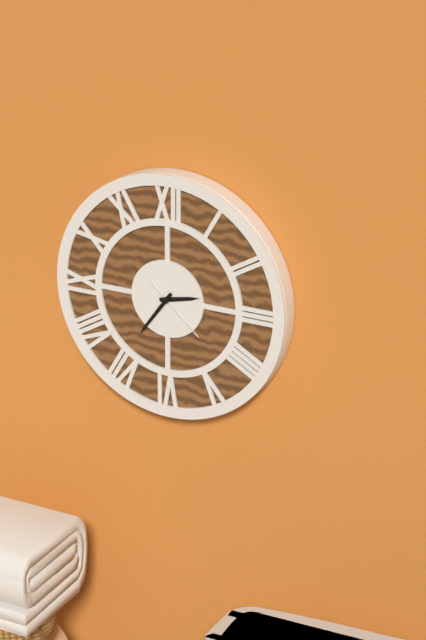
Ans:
h=2 m=36 s=22
